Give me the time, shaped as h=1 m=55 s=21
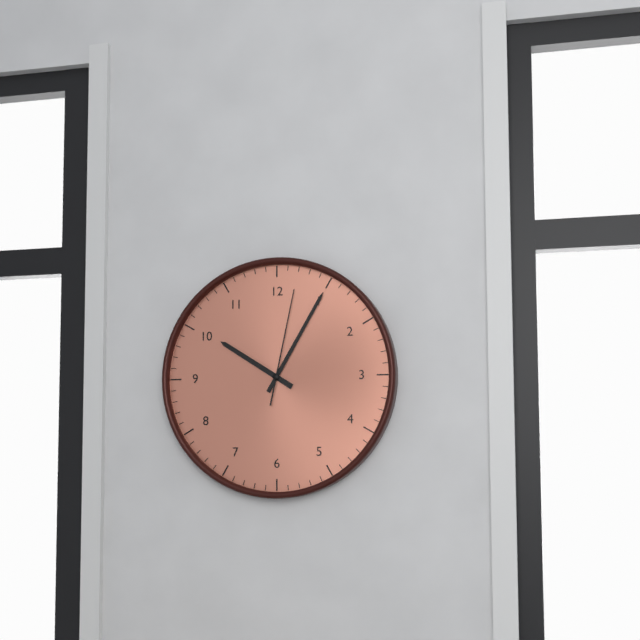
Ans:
h=10 m=5 s=2
